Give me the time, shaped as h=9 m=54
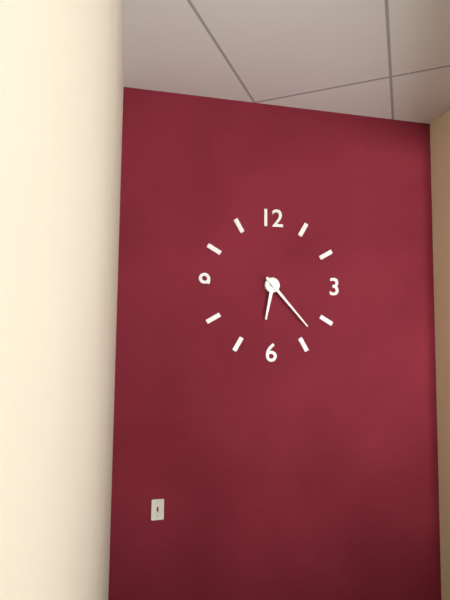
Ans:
h=6 m=23
